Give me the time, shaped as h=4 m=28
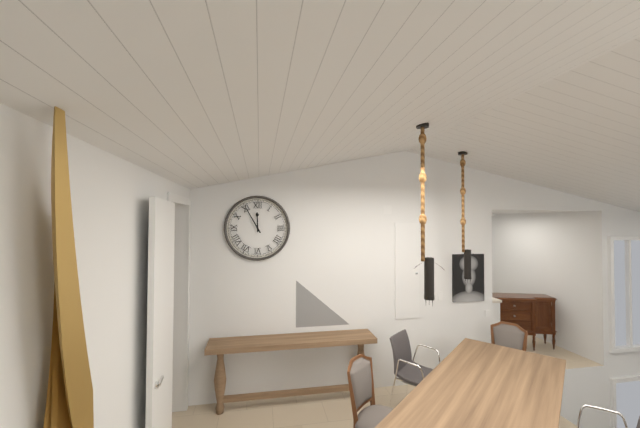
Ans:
h=11 m=55
